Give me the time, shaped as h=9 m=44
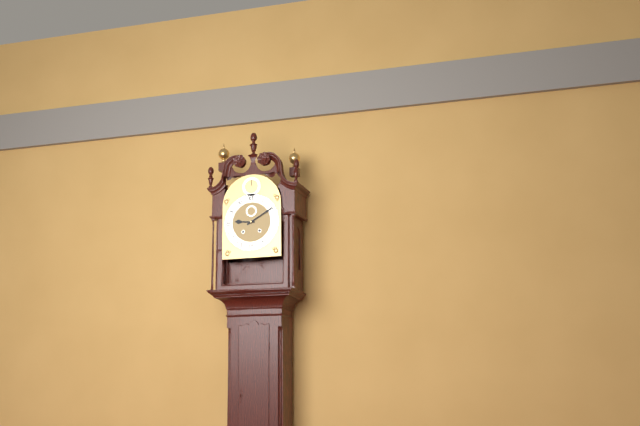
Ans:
h=9 m=10
